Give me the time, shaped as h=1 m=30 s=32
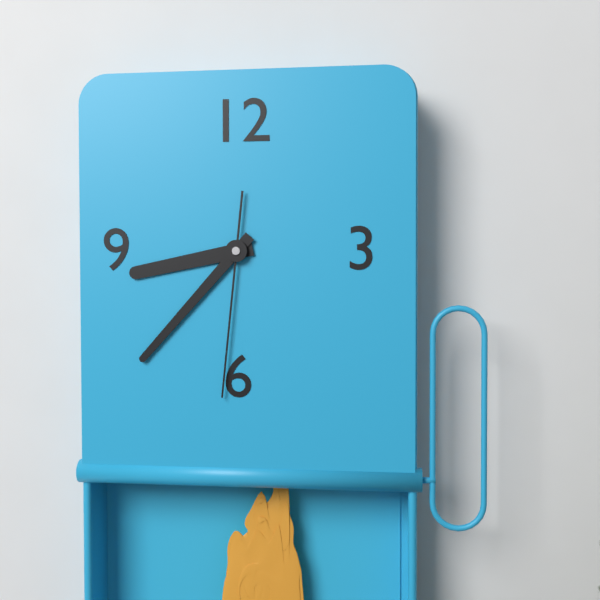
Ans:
h=8 m=37 s=31
